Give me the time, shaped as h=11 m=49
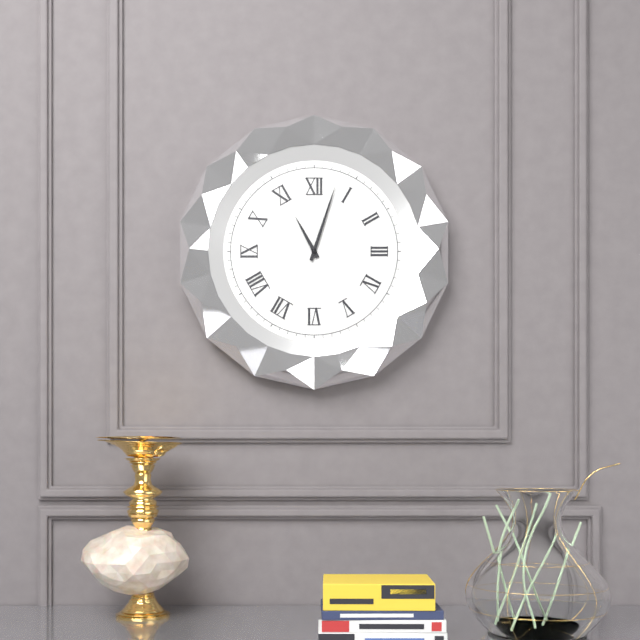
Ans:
h=11 m=3
